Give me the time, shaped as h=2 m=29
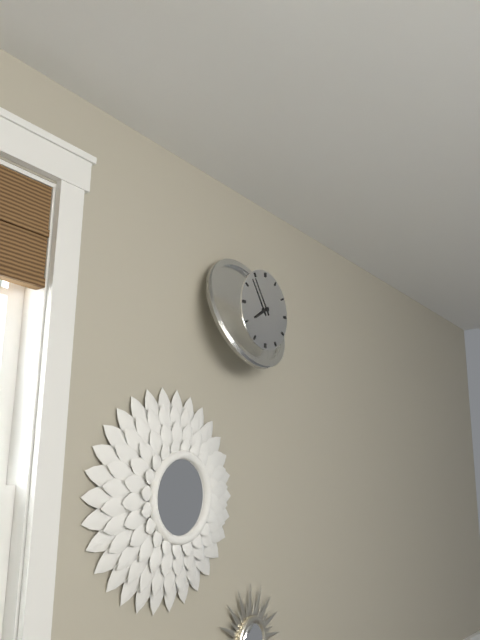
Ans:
h=7 m=54
